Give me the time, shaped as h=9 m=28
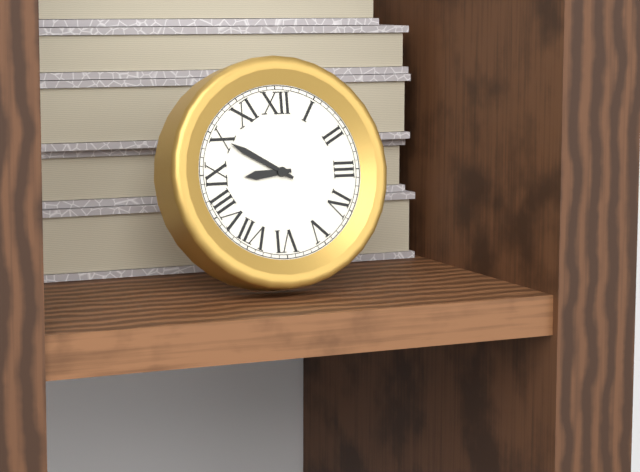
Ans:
h=8 m=50
